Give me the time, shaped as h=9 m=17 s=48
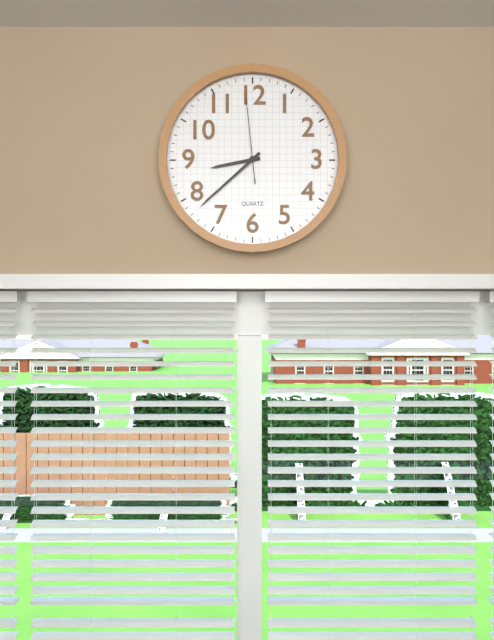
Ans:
h=8 m=38 s=59
